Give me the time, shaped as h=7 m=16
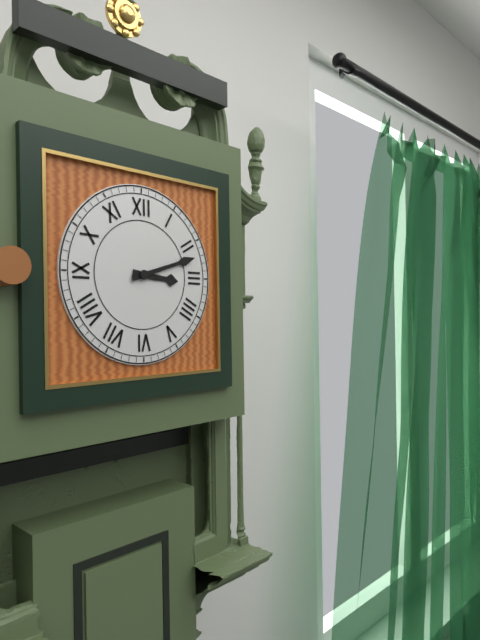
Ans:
h=3 m=12
